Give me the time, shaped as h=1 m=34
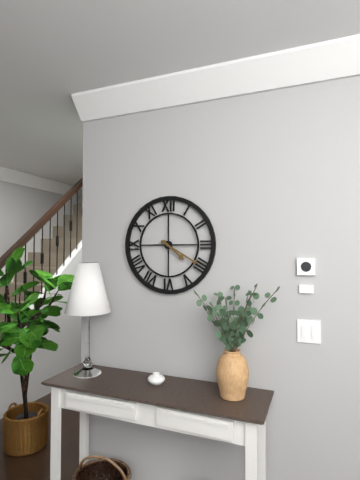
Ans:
h=4 m=20
